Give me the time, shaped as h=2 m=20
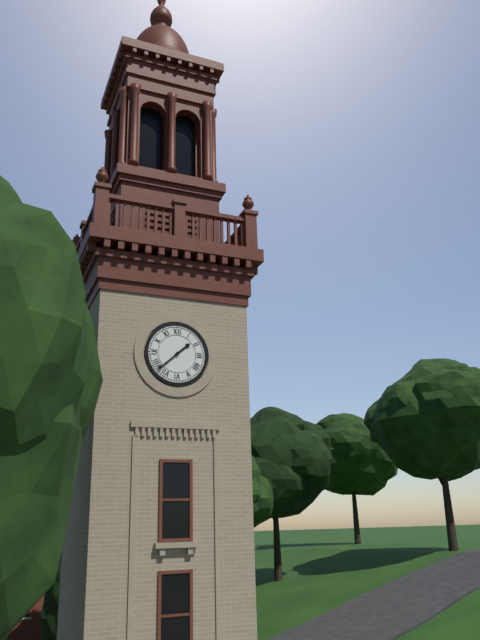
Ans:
h=1 m=38
